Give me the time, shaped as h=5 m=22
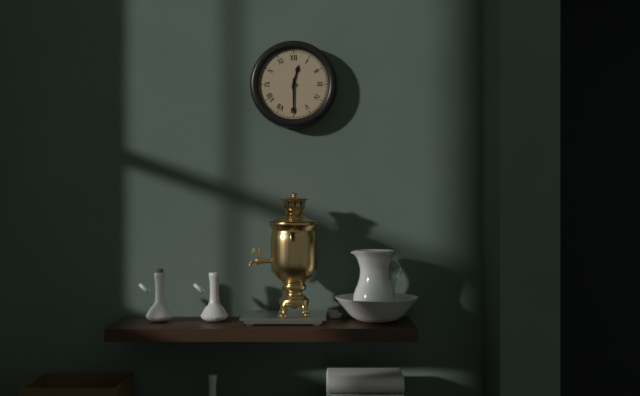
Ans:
h=12 m=30
